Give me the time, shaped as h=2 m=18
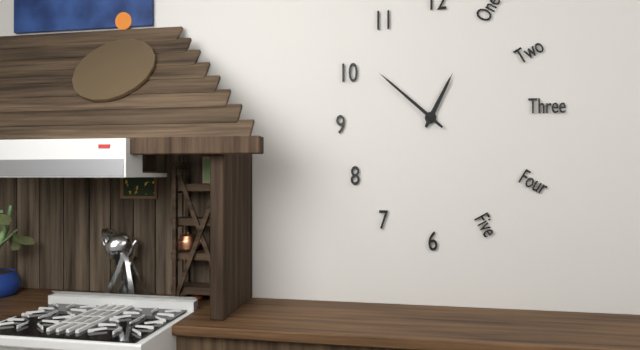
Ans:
h=12 m=52
